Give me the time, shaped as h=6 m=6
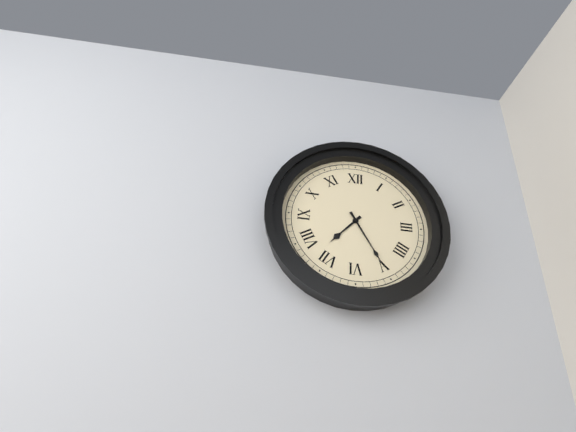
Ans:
h=7 m=25
